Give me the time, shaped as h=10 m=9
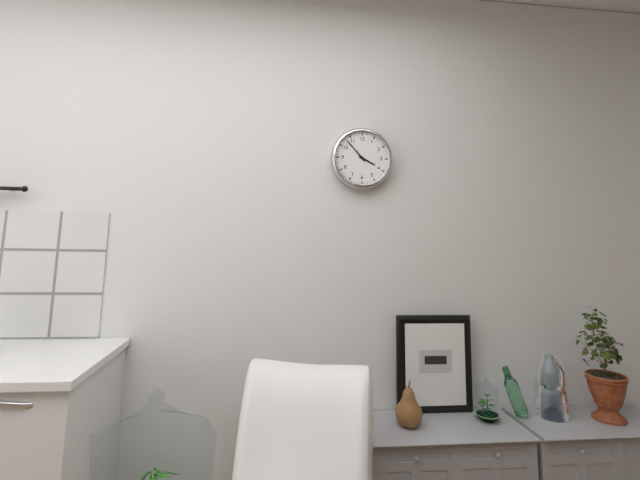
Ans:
h=3 m=53
